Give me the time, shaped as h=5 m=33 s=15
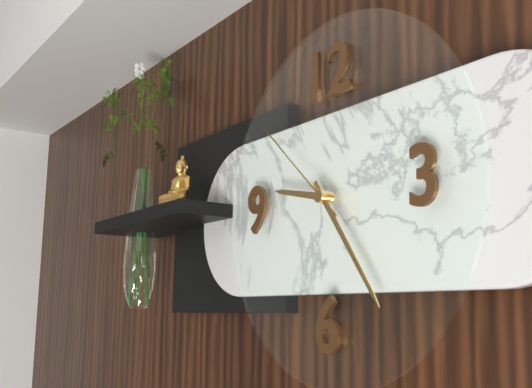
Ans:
h=9 m=24 s=52
